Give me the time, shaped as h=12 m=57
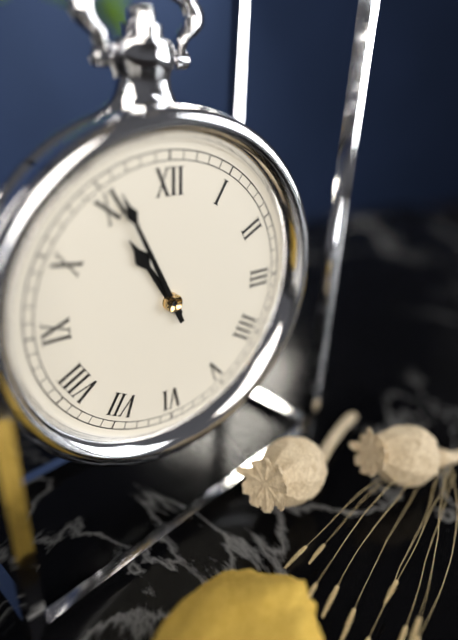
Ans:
h=10 m=56
